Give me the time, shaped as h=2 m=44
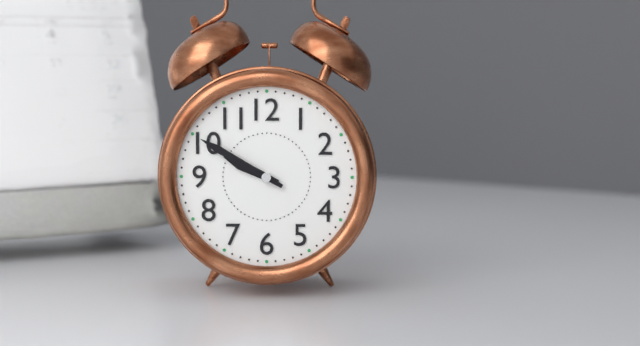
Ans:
h=9 m=50
